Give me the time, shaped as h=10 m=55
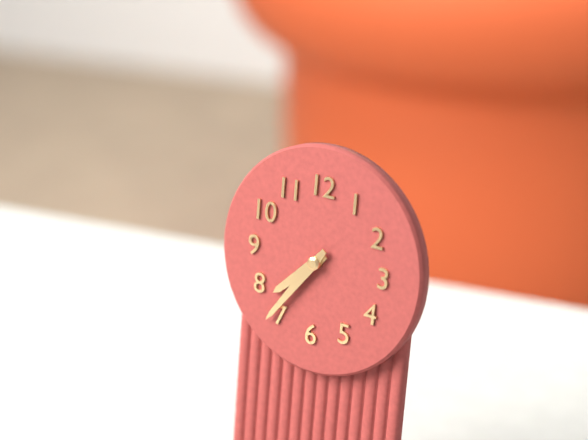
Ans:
h=7 m=36
